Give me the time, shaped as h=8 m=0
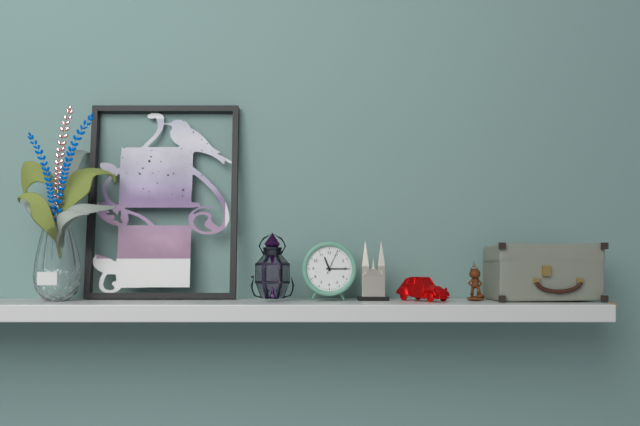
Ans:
h=11 m=15
